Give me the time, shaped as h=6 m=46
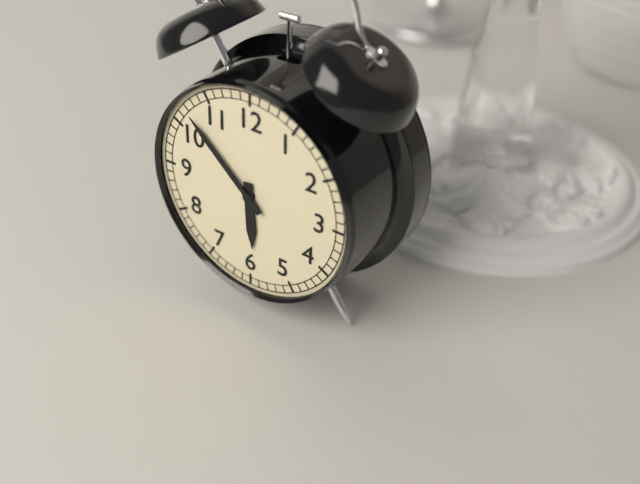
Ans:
h=5 m=52
